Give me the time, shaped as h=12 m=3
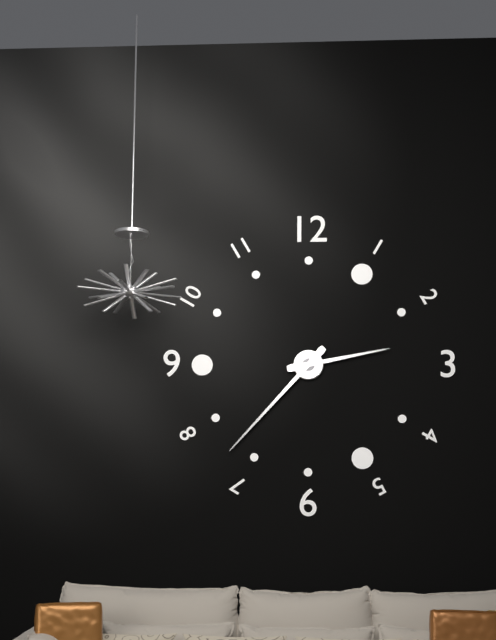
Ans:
h=2 m=37
